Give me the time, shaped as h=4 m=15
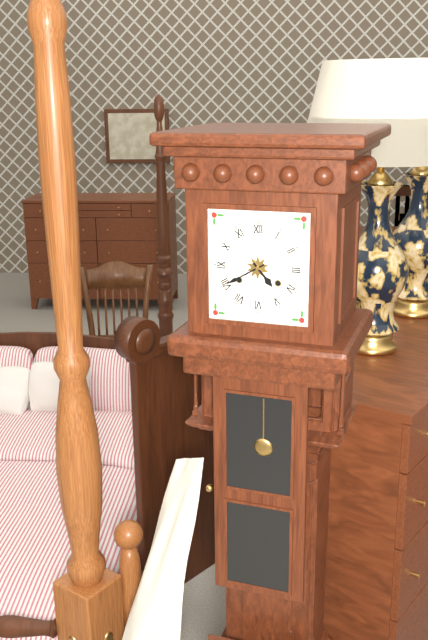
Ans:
h=4 m=40
